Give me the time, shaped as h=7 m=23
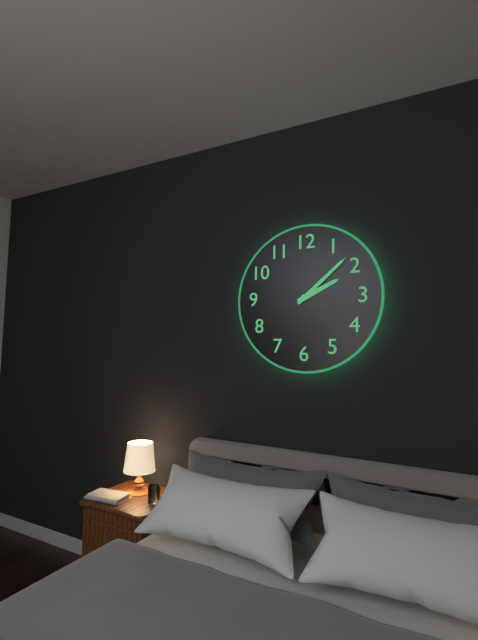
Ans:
h=2 m=8
